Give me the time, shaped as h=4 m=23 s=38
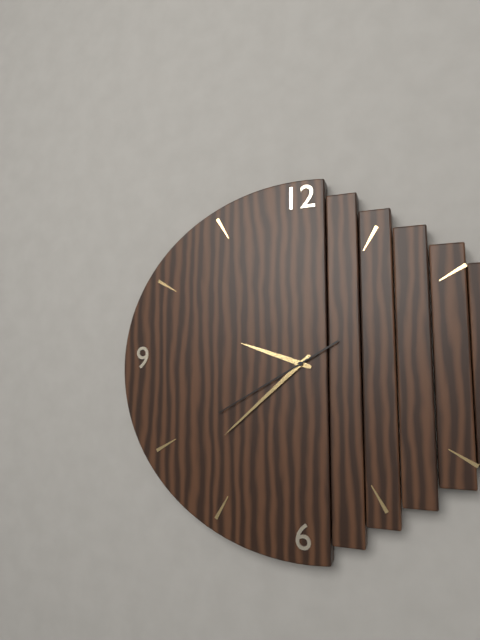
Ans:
h=9 m=38 s=40
